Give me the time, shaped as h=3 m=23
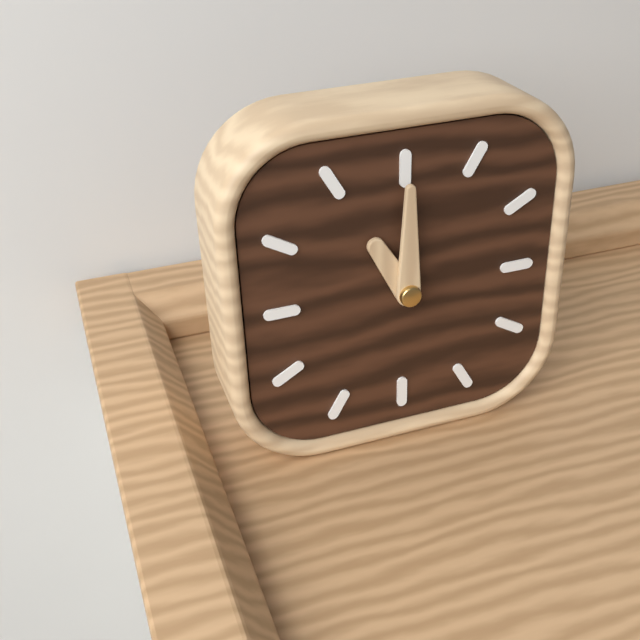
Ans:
h=11 m=0
